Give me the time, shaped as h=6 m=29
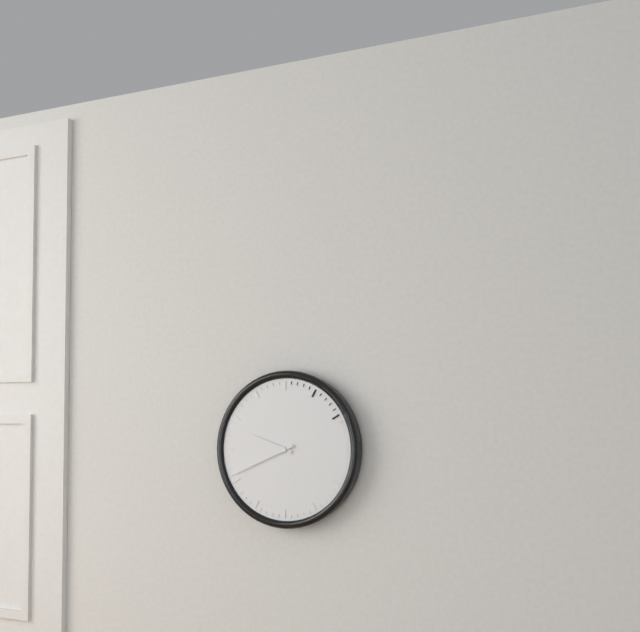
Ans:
h=9 m=41
